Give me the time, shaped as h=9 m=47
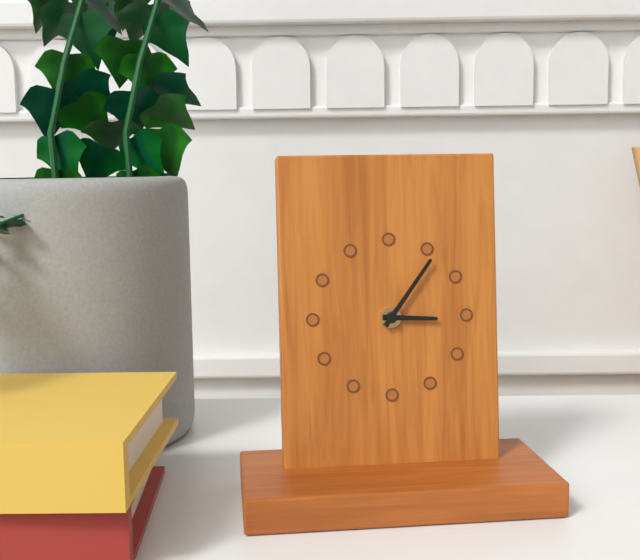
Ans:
h=3 m=6
